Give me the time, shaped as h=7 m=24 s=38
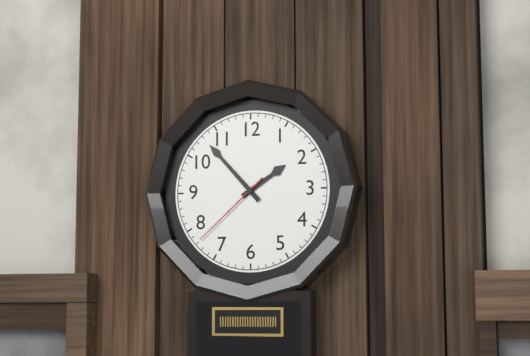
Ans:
h=1 m=53 s=38
